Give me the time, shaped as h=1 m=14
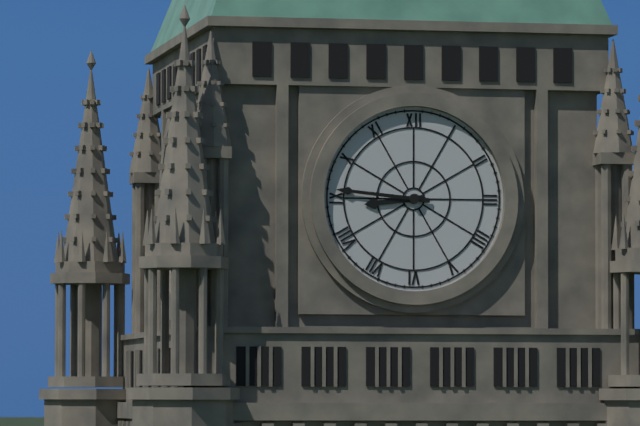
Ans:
h=8 m=46
